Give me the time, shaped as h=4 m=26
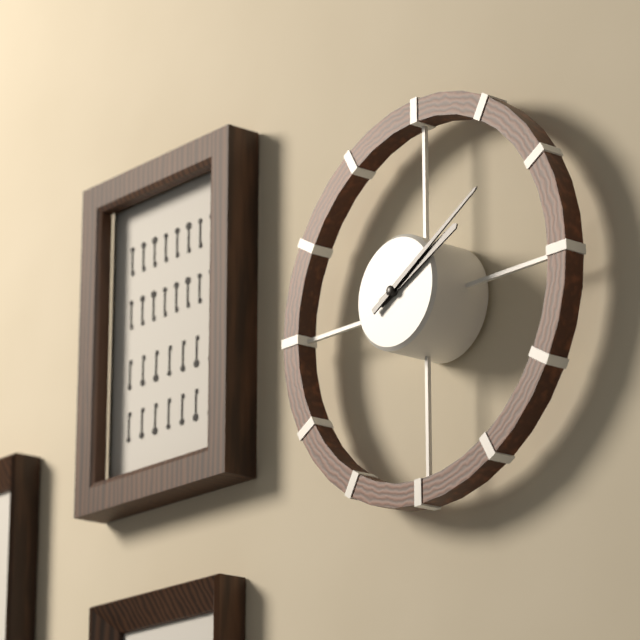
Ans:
h=2 m=10
